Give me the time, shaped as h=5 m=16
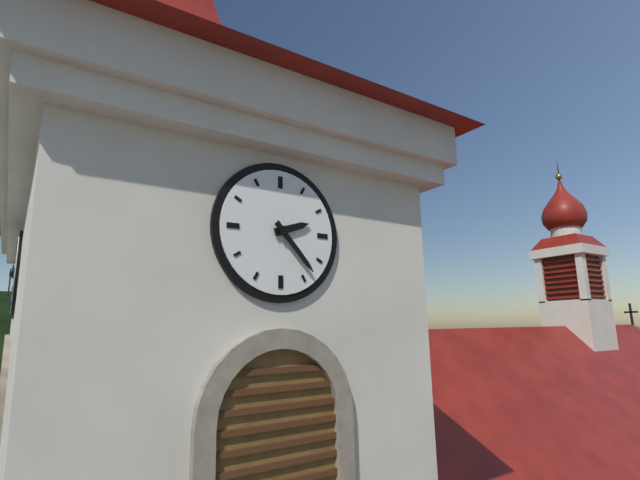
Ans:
h=2 m=23
